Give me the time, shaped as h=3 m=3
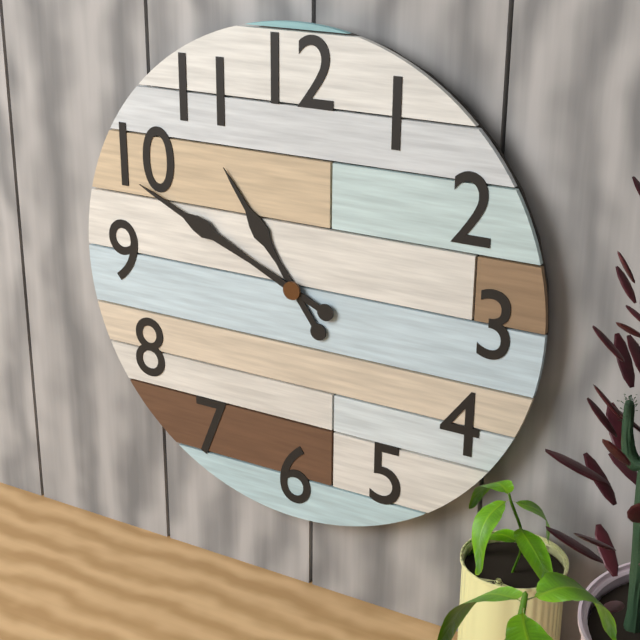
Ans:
h=10 m=49
